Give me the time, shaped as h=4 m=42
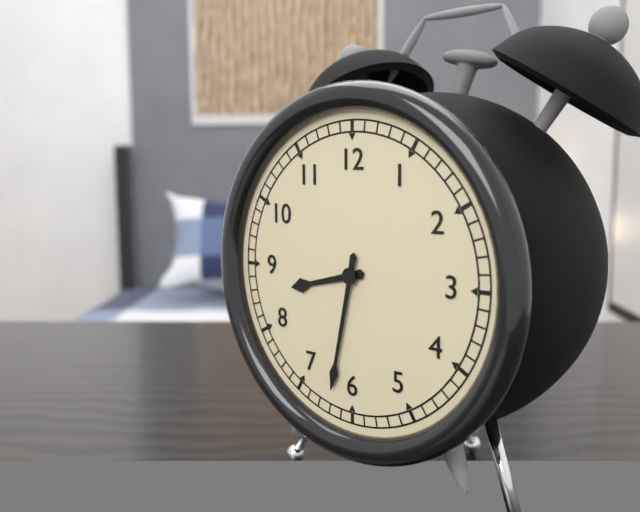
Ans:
h=8 m=32
